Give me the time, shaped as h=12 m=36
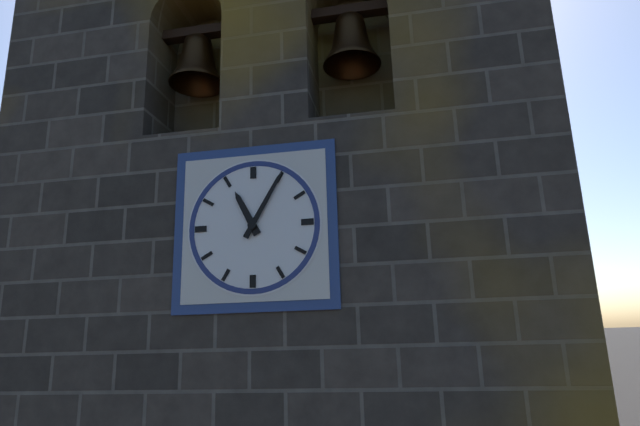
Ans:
h=11 m=5
